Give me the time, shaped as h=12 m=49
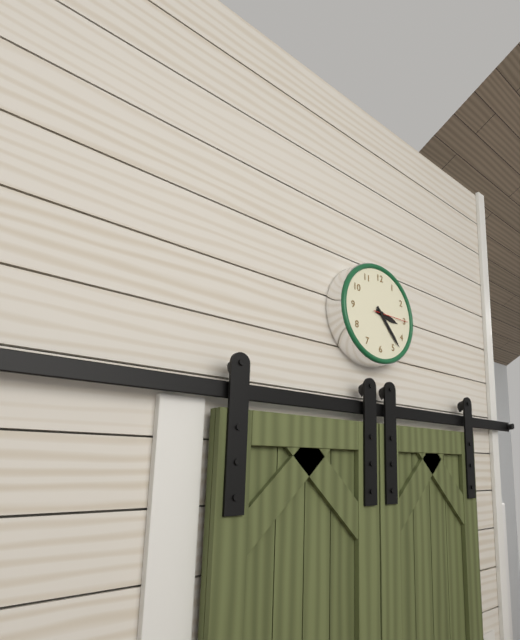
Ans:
h=3 m=23
